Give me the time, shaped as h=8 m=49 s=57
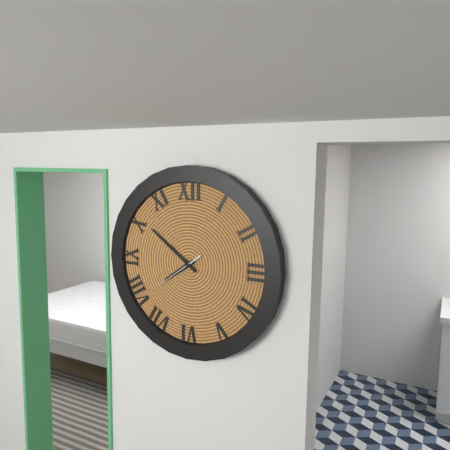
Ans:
h=7 m=51 s=39
